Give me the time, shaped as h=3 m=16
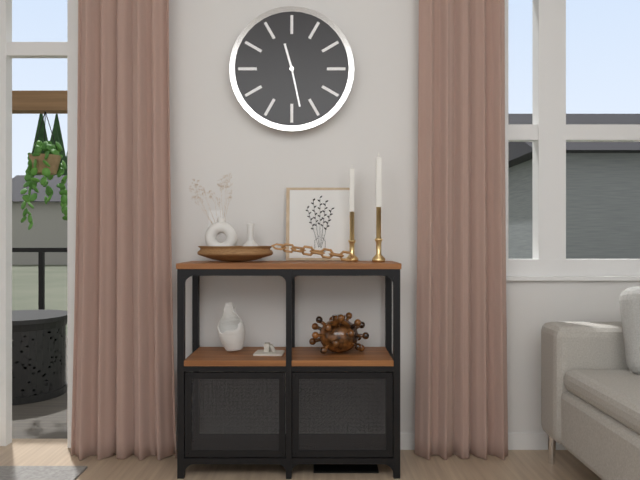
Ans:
h=11 m=28
